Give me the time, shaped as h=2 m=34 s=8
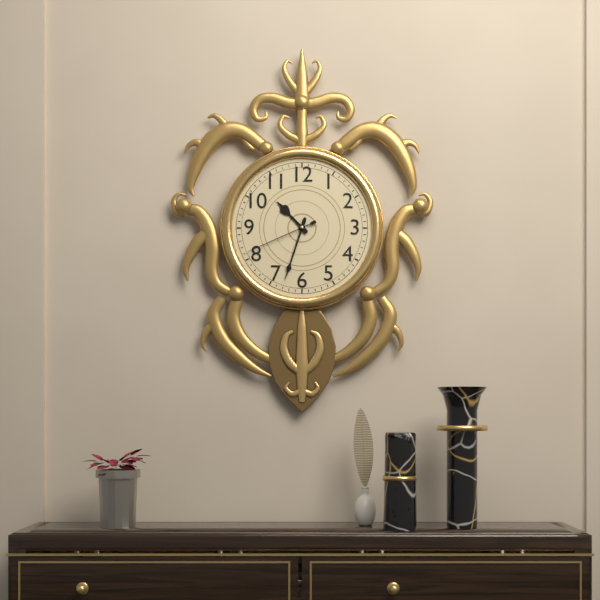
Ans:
h=10 m=33 s=41
